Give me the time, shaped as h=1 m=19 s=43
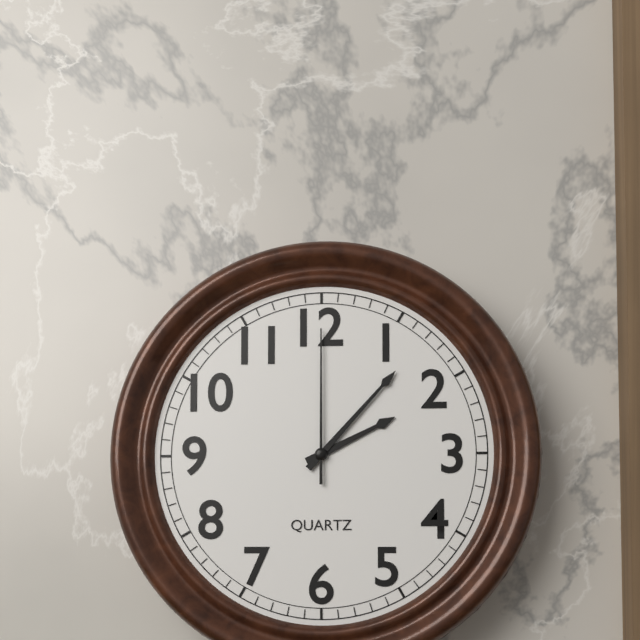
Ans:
h=2 m=7 s=0
